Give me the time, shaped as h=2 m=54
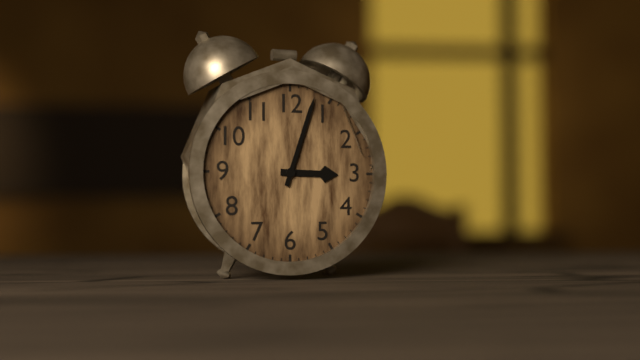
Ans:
h=3 m=3
